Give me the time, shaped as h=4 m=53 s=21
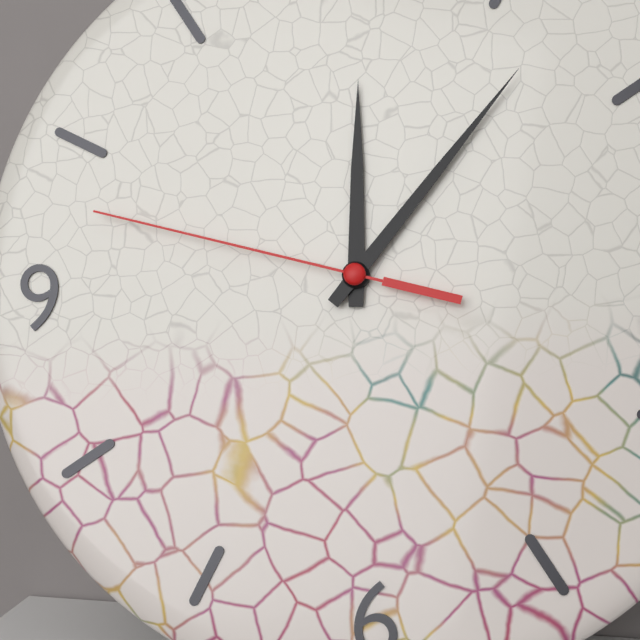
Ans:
h=12 m=7 s=48
